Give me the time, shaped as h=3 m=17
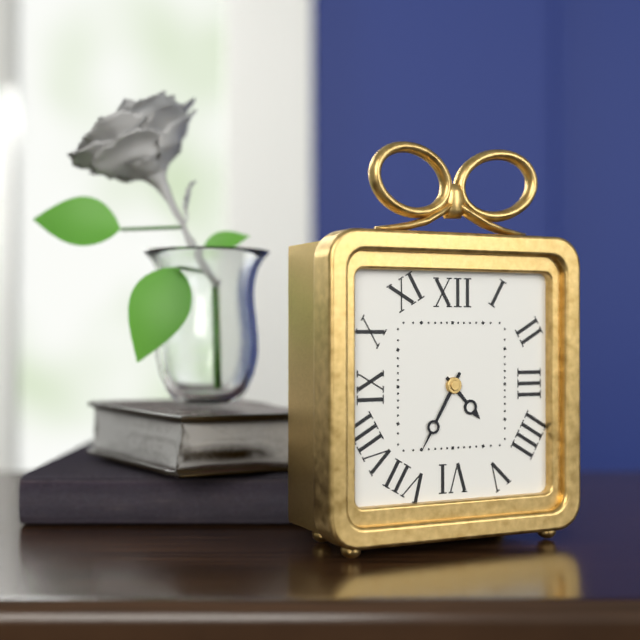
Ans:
h=4 m=35
